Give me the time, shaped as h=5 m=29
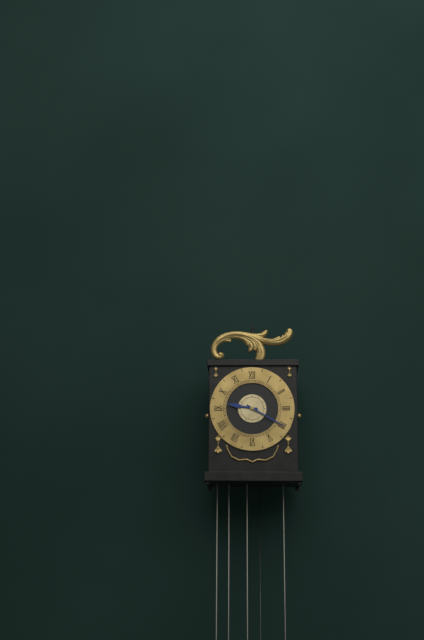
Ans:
h=9 m=20
